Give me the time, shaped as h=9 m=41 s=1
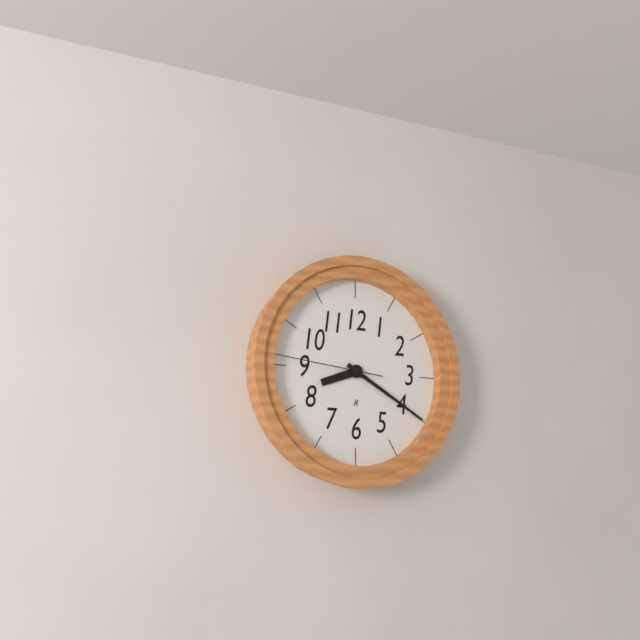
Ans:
h=8 m=20 s=46
